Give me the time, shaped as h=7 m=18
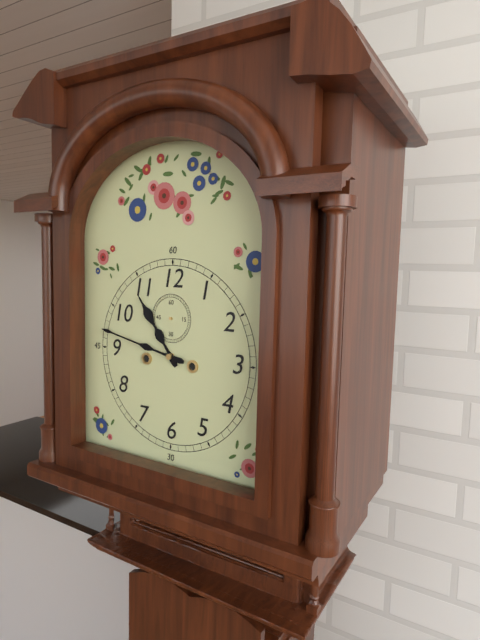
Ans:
h=10 m=47
